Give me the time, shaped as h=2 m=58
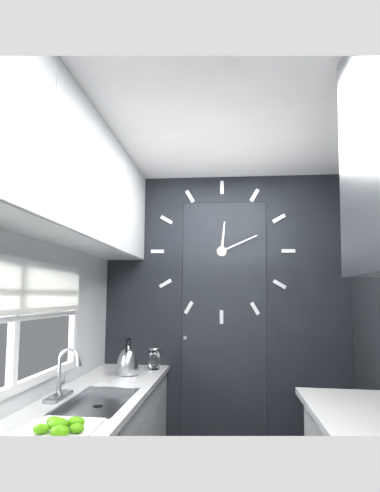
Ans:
h=12 m=11
